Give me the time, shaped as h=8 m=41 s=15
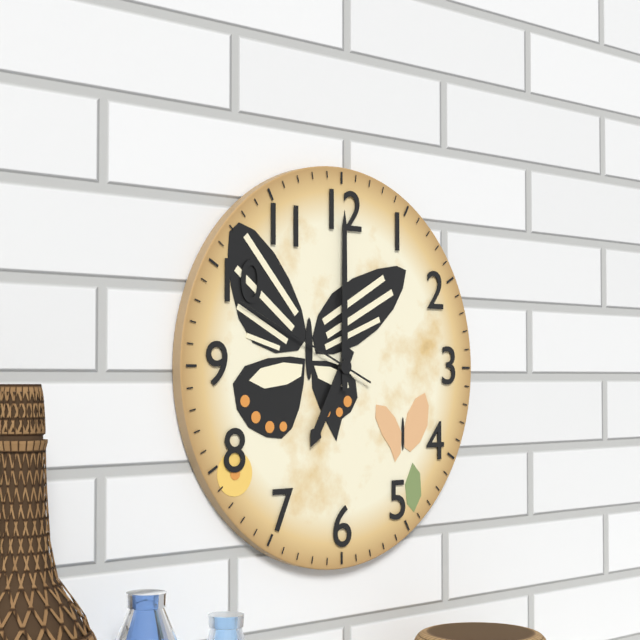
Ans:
h=7 m=0 s=49
